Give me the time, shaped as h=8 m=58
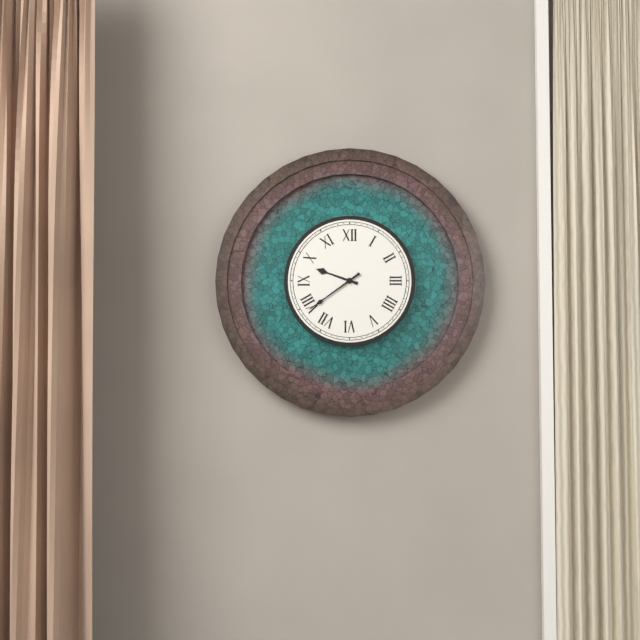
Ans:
h=9 m=39
